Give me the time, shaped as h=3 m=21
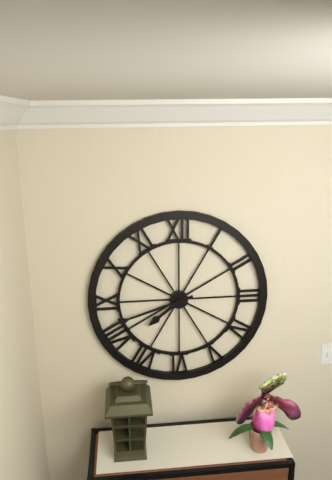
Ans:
h=7 m=42
